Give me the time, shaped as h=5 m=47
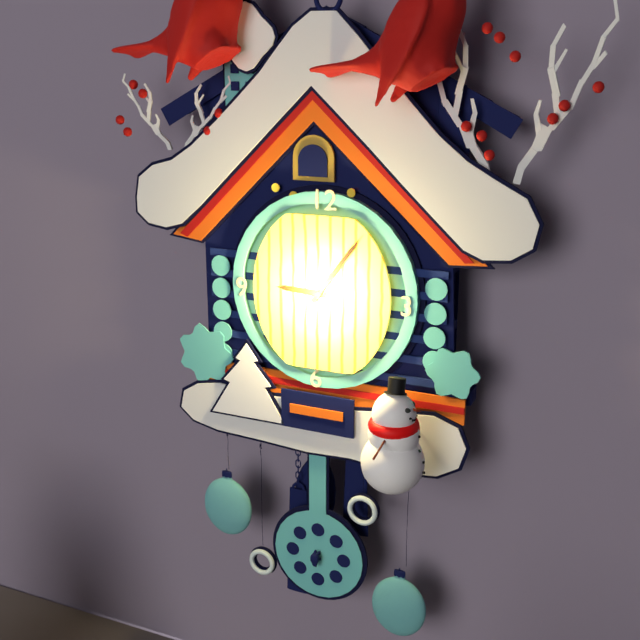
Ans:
h=9 m=6
